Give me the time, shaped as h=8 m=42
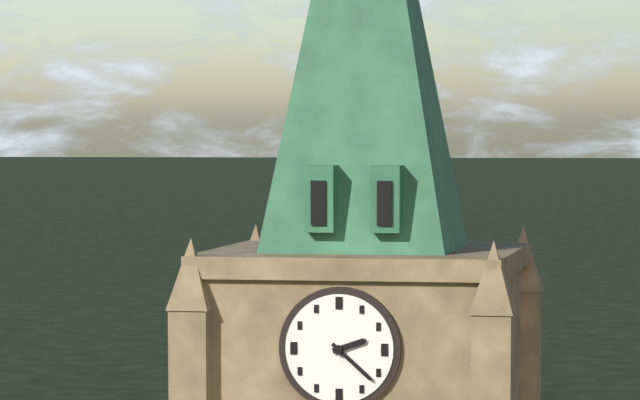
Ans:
h=2 m=22
